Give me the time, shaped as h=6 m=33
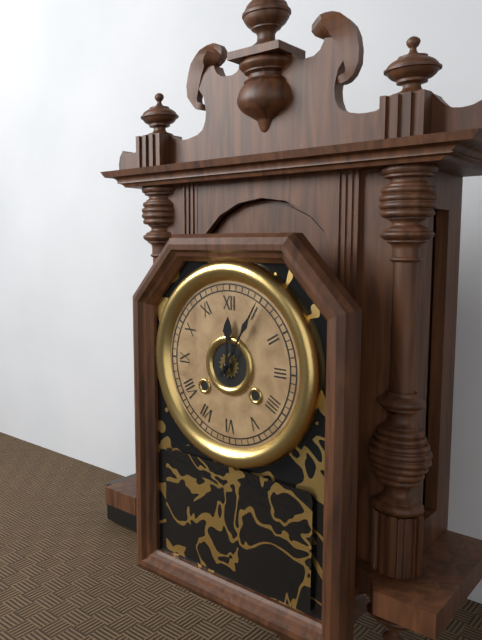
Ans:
h=12 m=5
